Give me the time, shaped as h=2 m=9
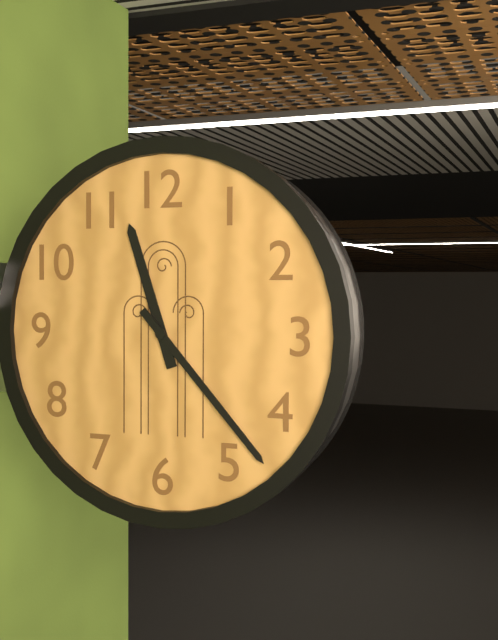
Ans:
h=11 m=23
